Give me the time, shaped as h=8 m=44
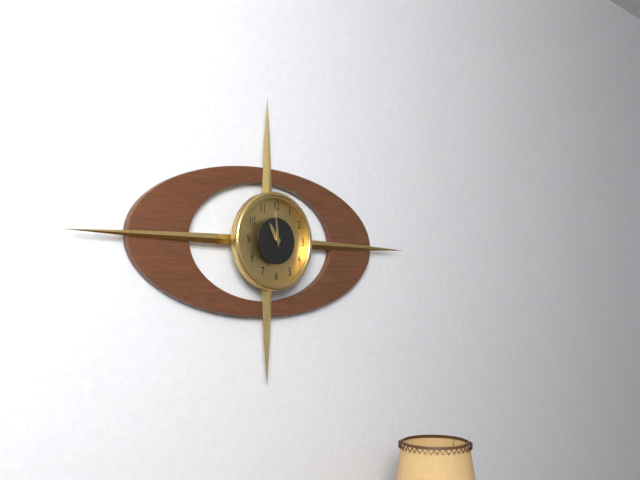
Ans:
h=10 m=59
